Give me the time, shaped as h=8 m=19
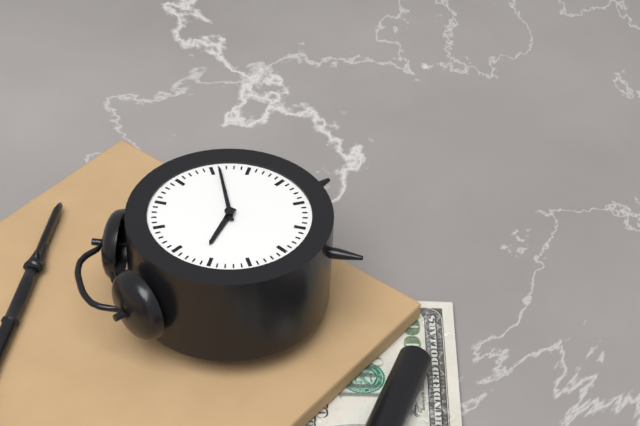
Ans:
h=10 m=16
